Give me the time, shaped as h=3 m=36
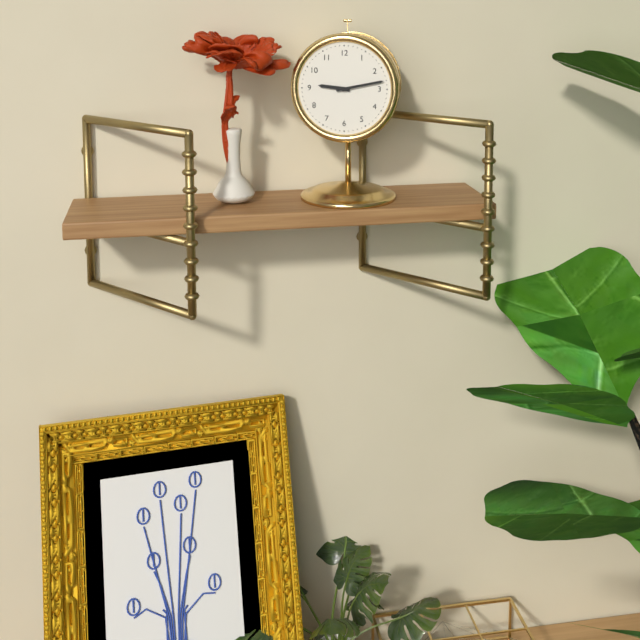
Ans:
h=9 m=13
